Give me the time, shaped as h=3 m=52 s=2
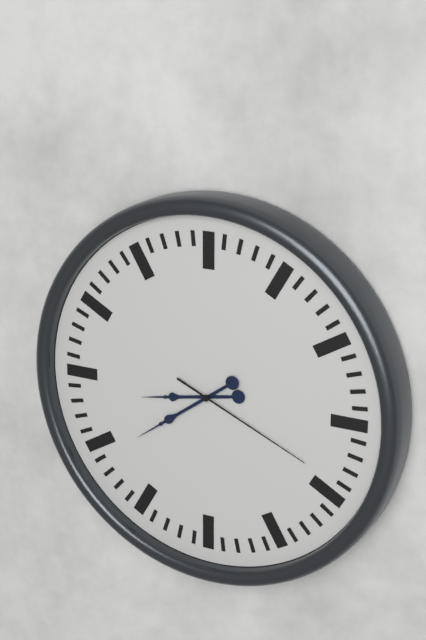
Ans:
h=8 m=39 s=19
